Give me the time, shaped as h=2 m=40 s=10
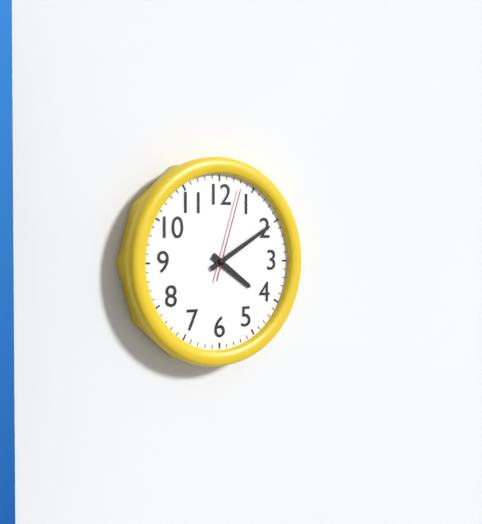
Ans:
h=4 m=10 s=3
